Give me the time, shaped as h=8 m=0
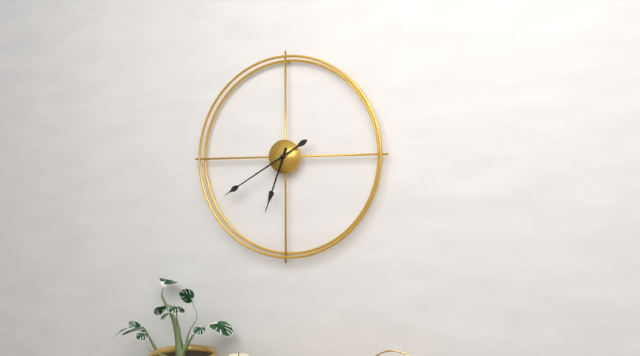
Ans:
h=6 m=40
